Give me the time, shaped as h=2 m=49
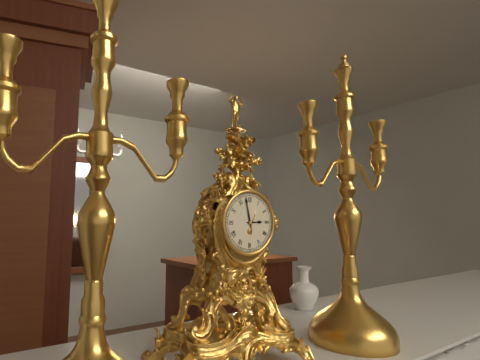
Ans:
h=2 m=58
